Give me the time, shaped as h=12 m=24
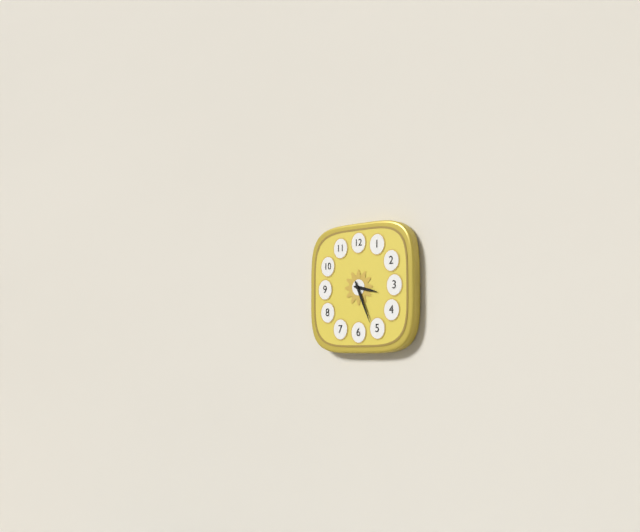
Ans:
h=3 m=26
